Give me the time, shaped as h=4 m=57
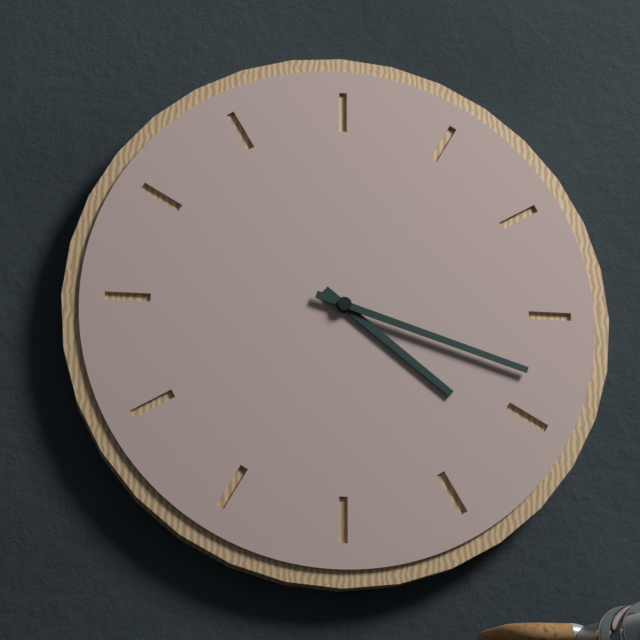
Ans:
h=4 m=18
